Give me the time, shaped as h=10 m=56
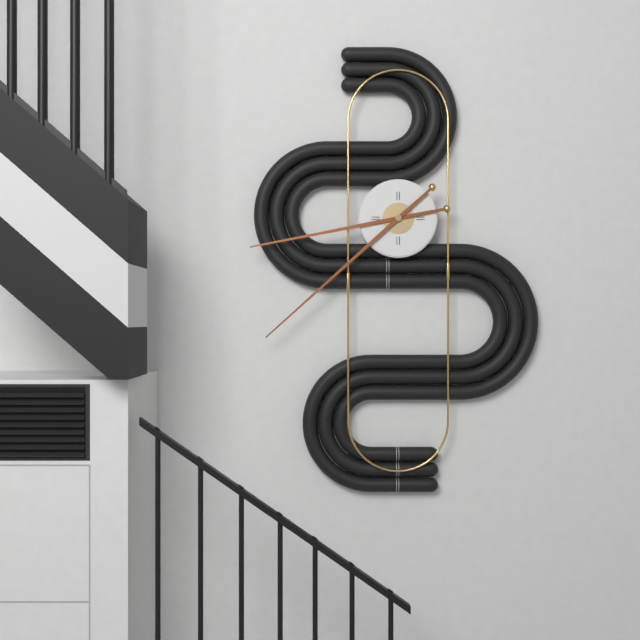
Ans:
h=8 m=38
